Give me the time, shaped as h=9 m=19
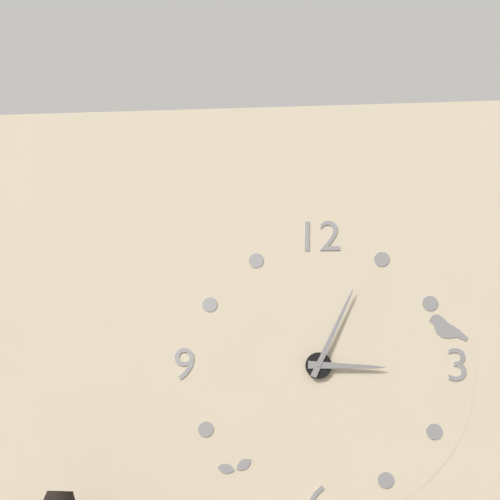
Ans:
h=3 m=4
